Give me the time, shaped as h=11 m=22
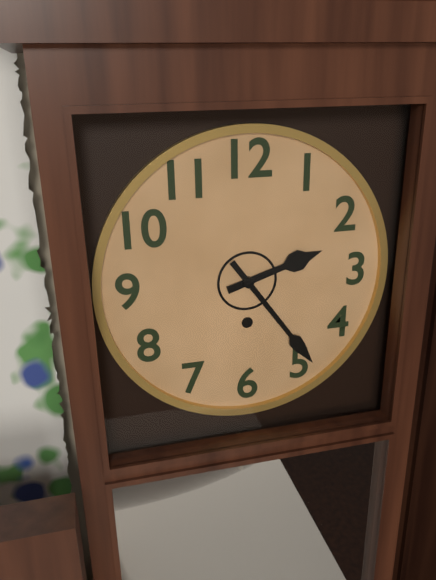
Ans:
h=2 m=24
